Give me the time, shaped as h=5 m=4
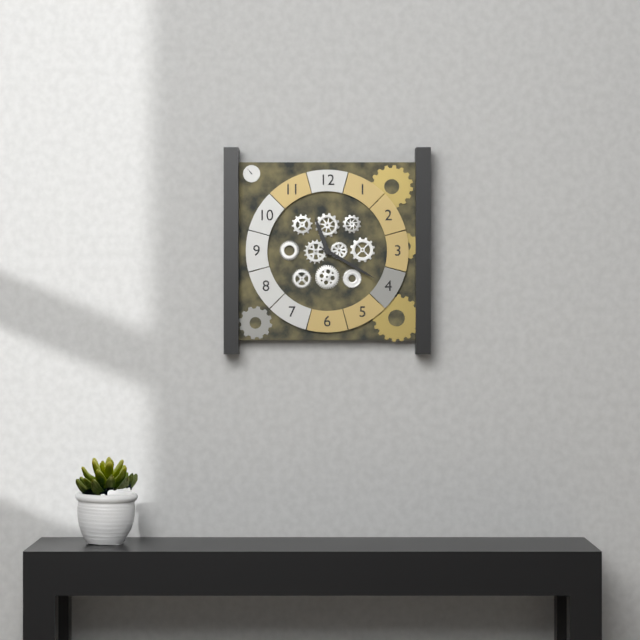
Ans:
h=11 m=20
